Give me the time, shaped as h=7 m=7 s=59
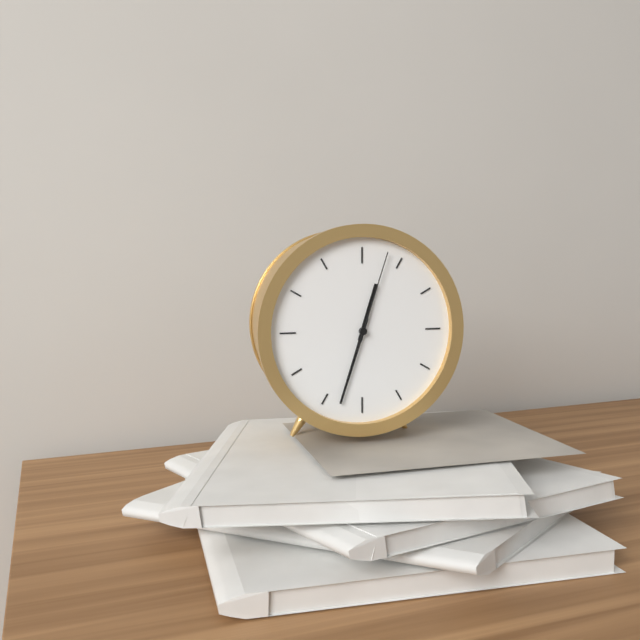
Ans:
h=12 m=33 s=3
